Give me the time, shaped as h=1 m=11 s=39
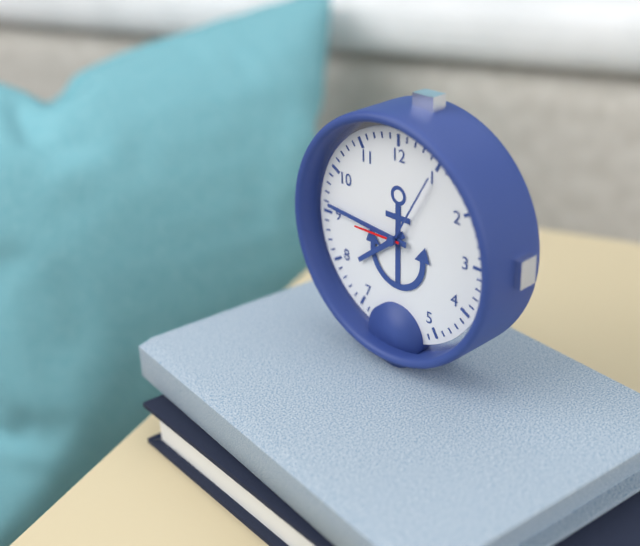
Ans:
h=7 m=46 s=45
